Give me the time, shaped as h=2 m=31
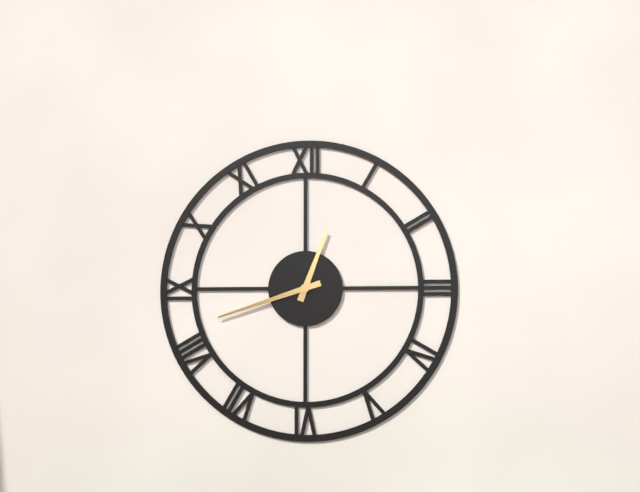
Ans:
h=12 m=42
